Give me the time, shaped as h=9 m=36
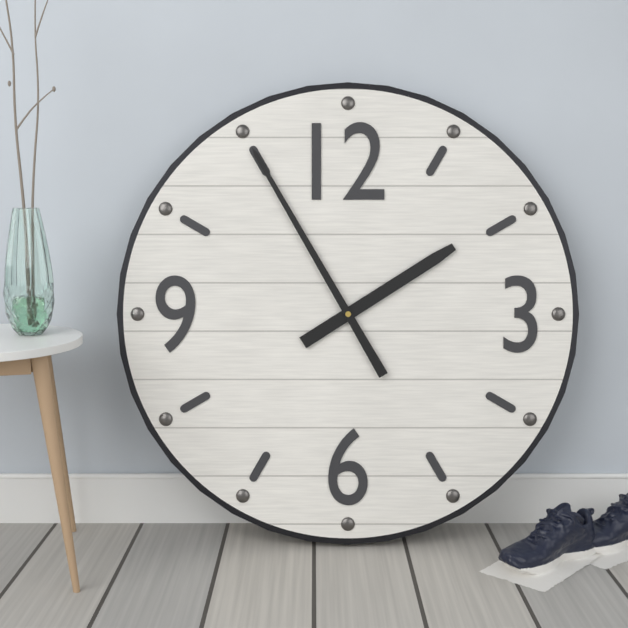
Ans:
h=1 m=55
